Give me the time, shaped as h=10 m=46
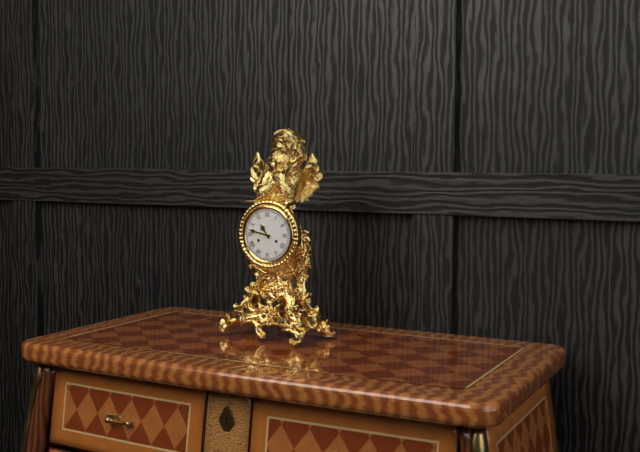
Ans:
h=10 m=47
